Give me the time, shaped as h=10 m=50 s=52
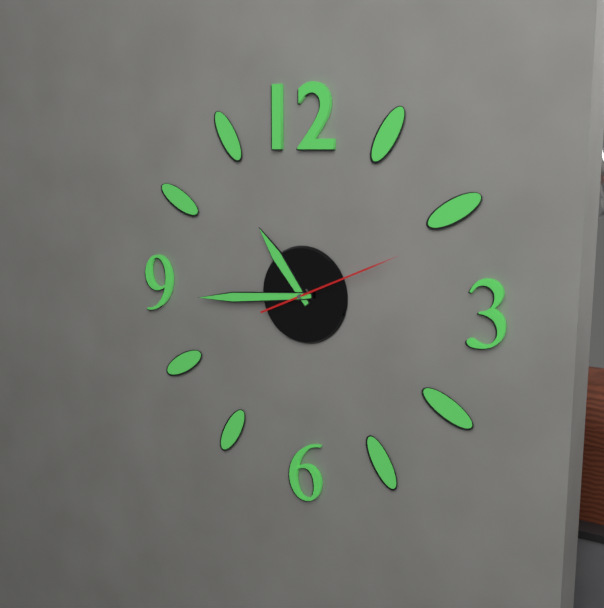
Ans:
h=10 m=44 s=11
